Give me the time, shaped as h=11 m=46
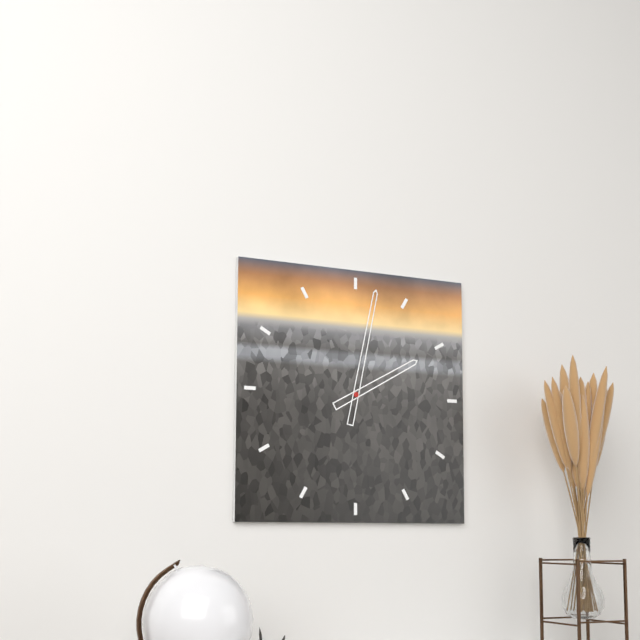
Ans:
h=2 m=2
